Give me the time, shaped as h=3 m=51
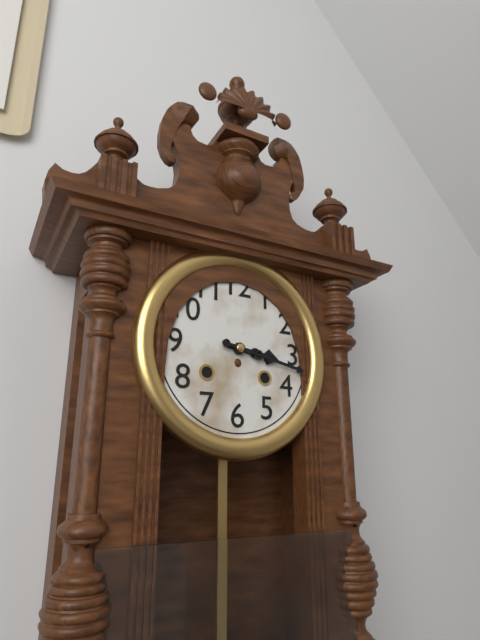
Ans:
h=3 m=17
